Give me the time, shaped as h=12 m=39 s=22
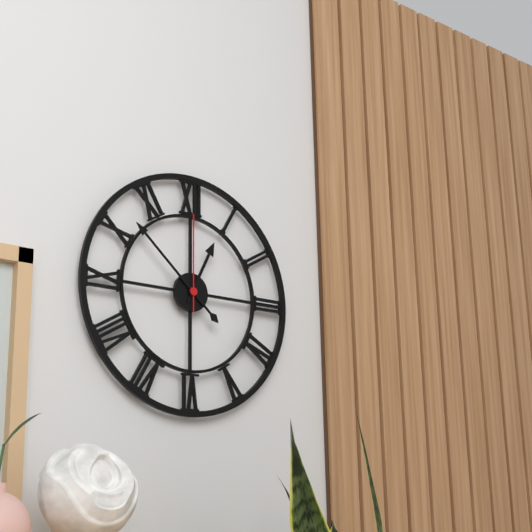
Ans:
h=12 m=52 s=0
